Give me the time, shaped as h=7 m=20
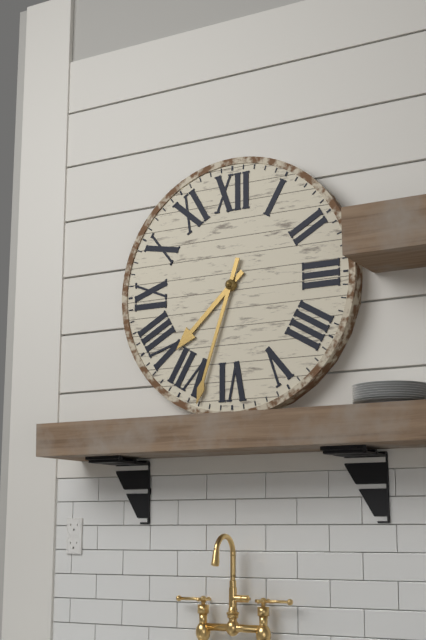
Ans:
h=7 m=33
